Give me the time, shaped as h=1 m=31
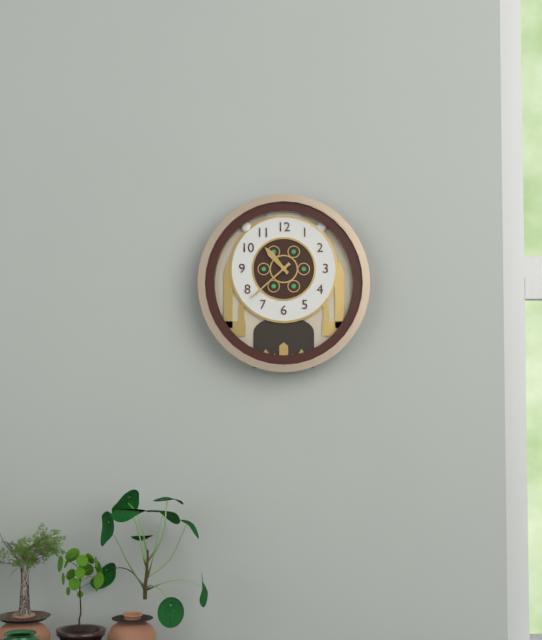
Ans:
h=10 m=38
